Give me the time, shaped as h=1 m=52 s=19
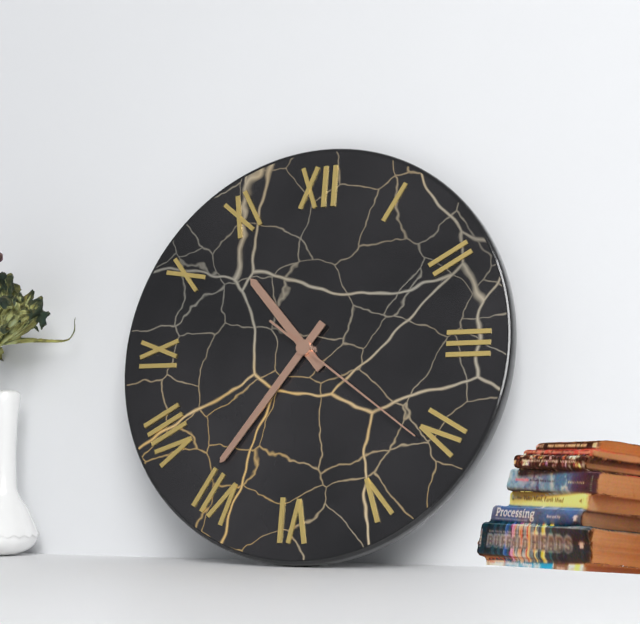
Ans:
h=10 m=36 s=21
